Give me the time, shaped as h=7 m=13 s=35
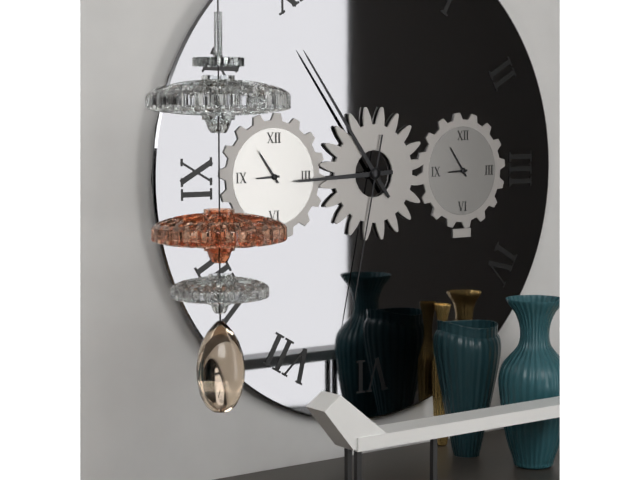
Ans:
h=8 m=54 s=32
